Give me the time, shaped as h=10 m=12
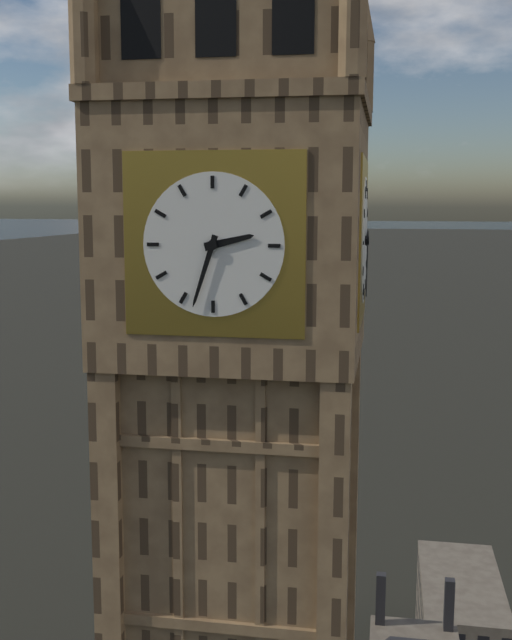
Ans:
h=2 m=33
